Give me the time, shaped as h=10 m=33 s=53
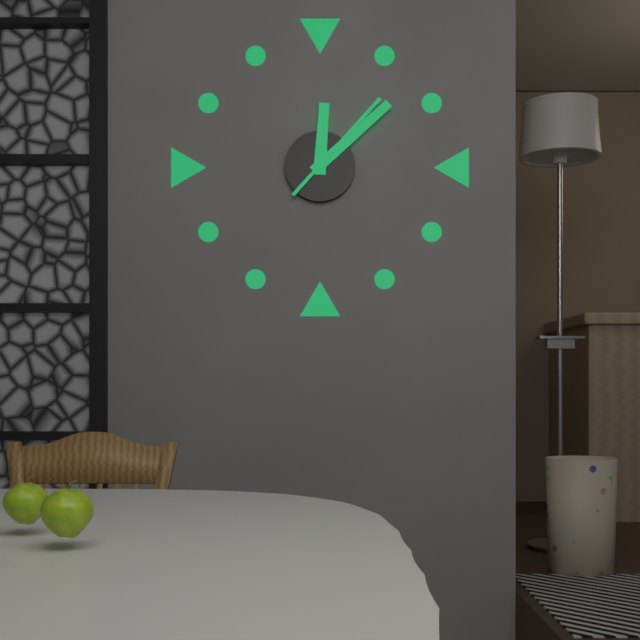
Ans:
h=12 m=8 s=7
